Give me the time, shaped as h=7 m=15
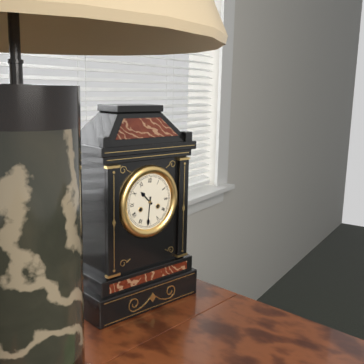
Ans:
h=10 m=31
